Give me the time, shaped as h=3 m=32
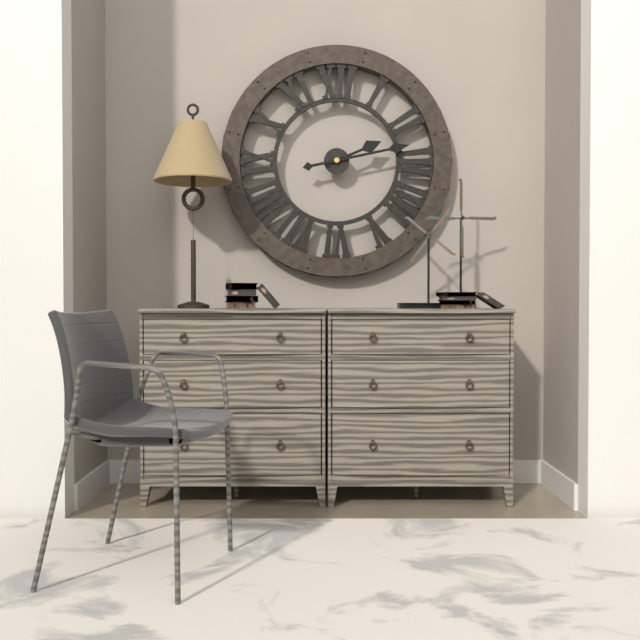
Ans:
h=2 m=13
